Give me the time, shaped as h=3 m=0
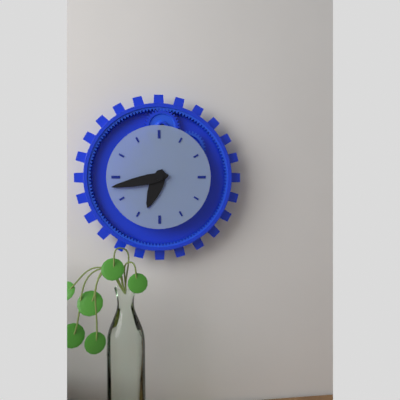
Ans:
h=6 m=43
